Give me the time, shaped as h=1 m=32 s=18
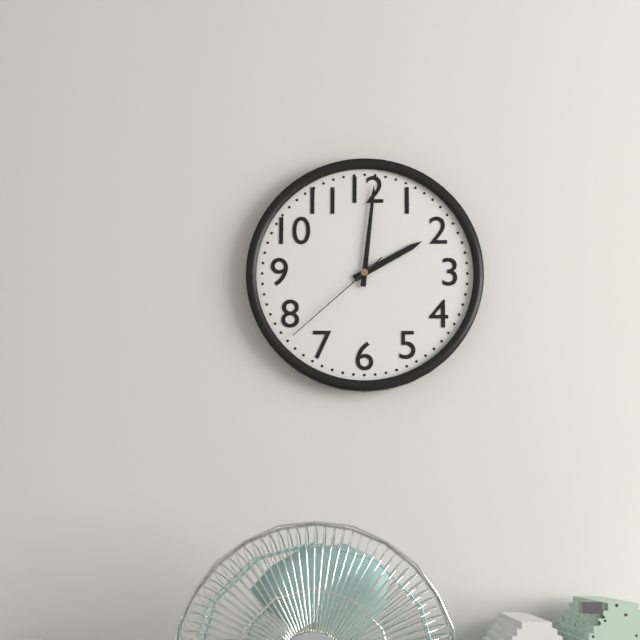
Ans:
h=2 m=1 s=38
